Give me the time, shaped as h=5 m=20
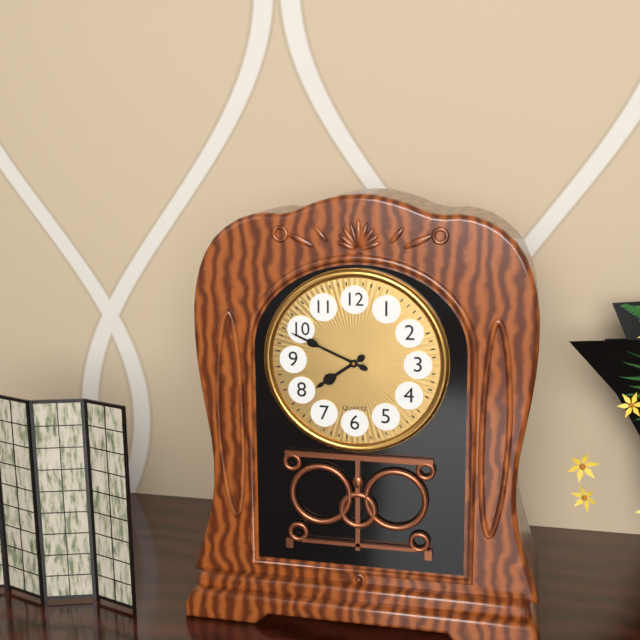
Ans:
h=7 m=49
